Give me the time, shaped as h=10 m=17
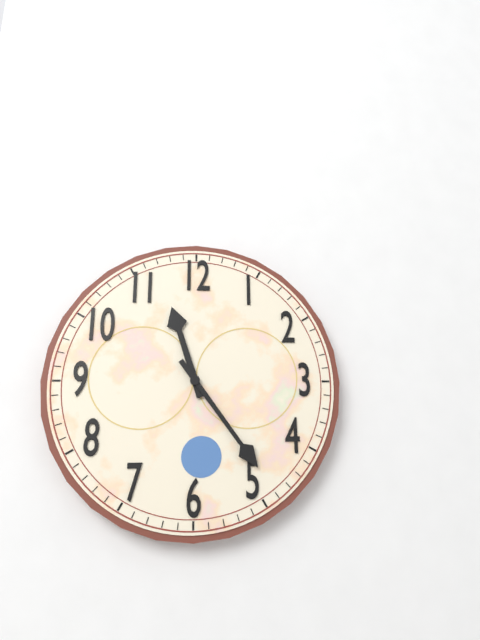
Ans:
h=11 m=24
